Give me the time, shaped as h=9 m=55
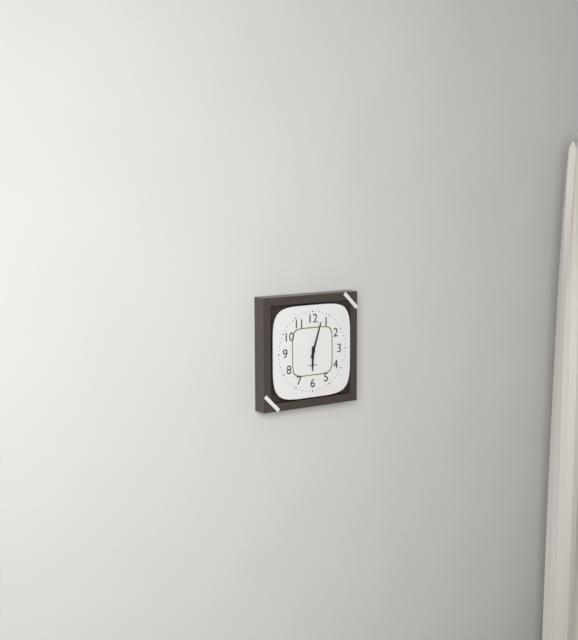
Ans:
h=6 m=3
